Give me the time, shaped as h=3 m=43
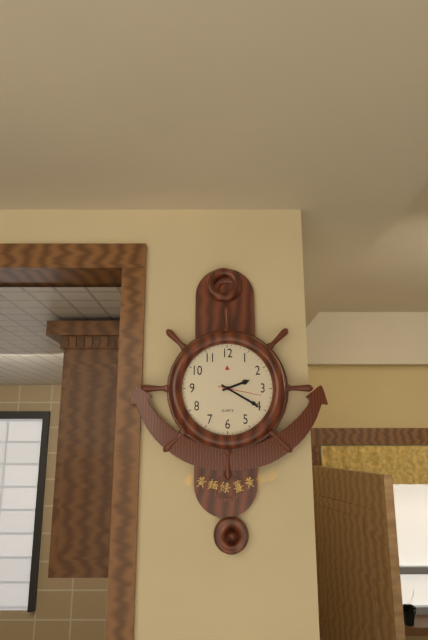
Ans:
h=2 m=20
